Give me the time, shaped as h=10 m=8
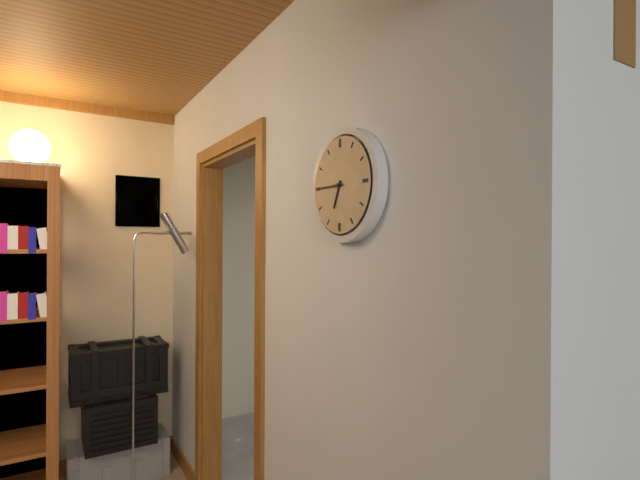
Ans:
h=6 m=45
